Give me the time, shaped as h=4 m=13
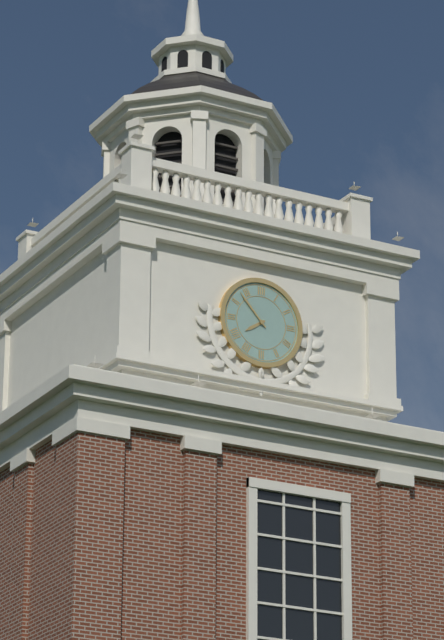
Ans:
h=7 m=53
